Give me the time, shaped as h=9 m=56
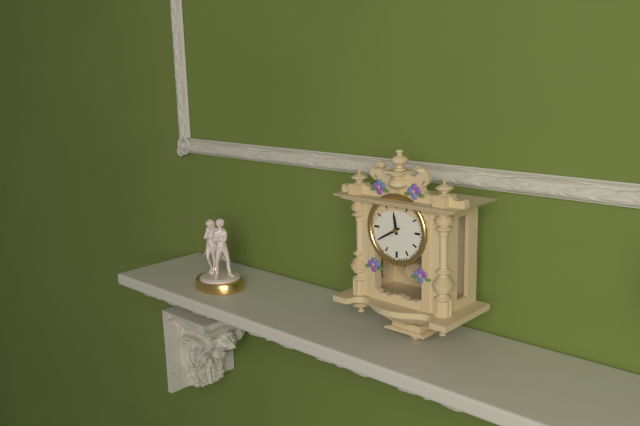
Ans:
h=11 m=40
